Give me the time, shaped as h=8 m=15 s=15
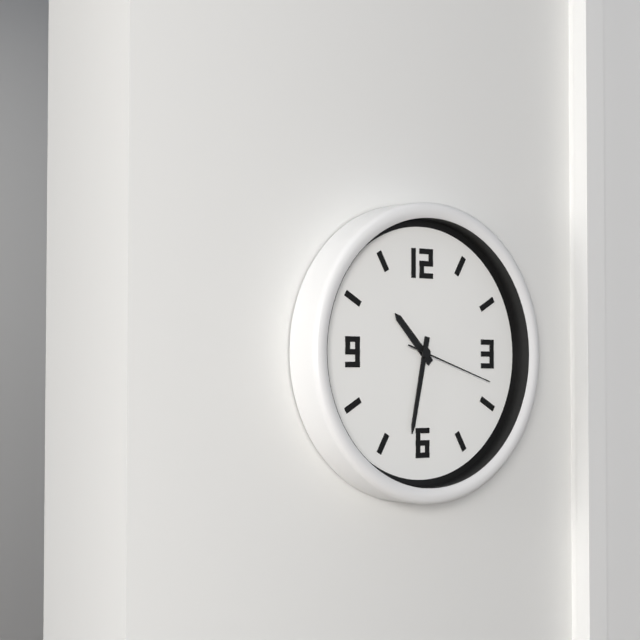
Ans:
h=10 m=32 s=18
